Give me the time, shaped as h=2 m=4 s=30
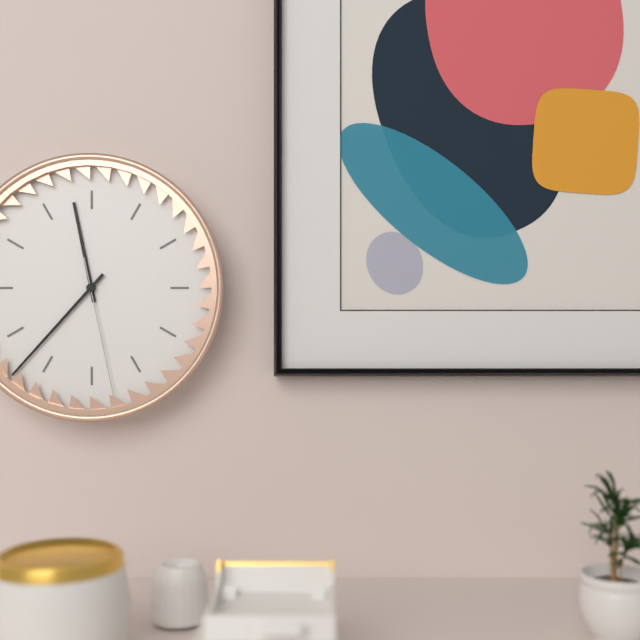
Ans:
h=11 m=37 s=28
